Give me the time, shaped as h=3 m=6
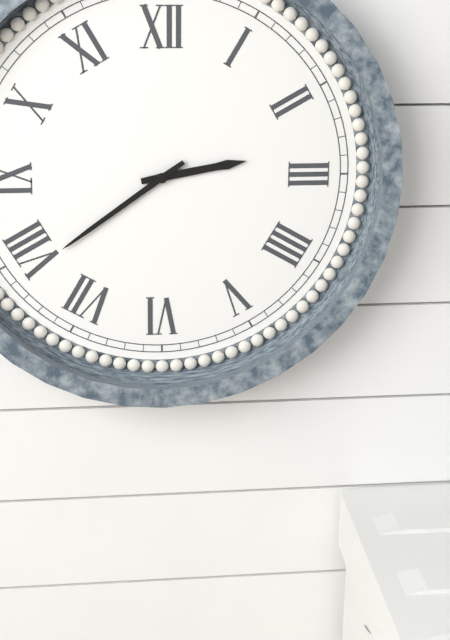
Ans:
h=2 m=39
